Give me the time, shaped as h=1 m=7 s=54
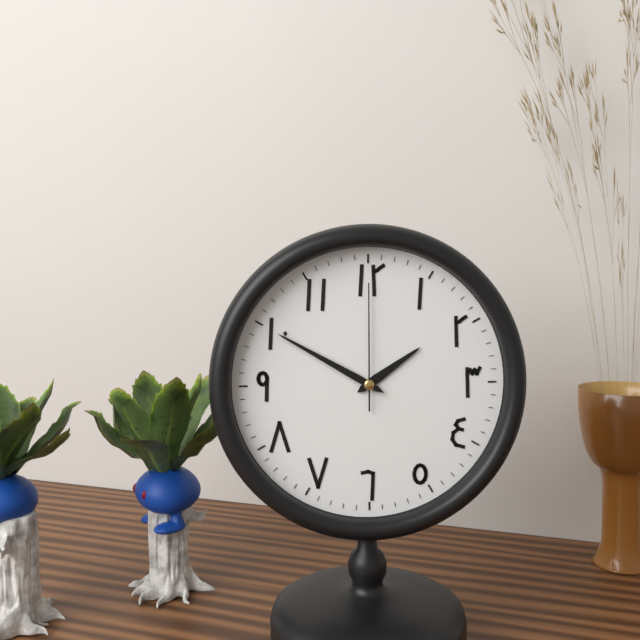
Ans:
h=1 m=50 s=0
